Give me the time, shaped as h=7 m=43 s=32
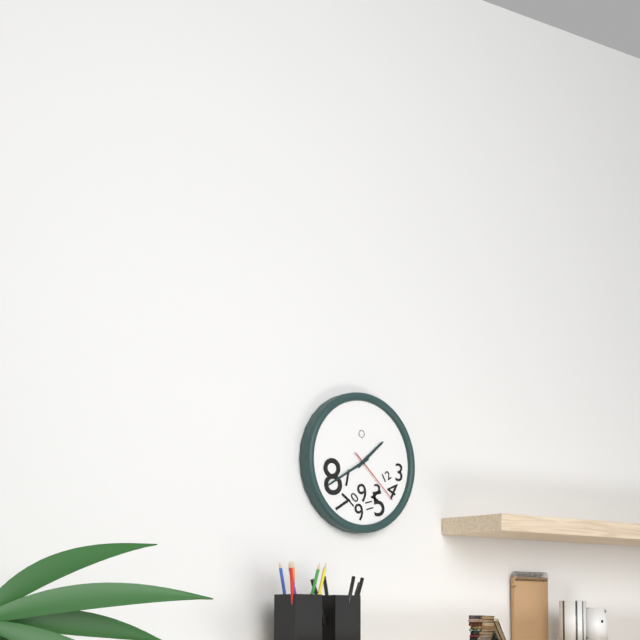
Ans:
h=1 m=40 s=22
